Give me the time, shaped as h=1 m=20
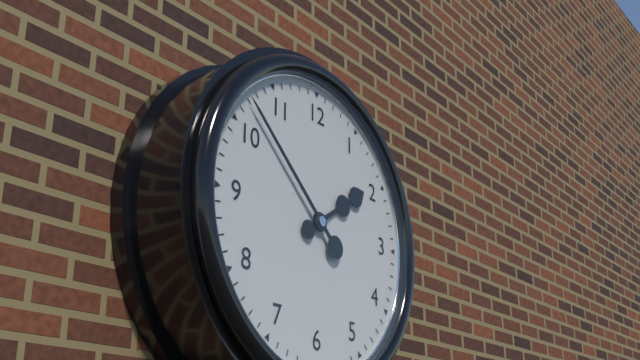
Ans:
h=1 m=52
